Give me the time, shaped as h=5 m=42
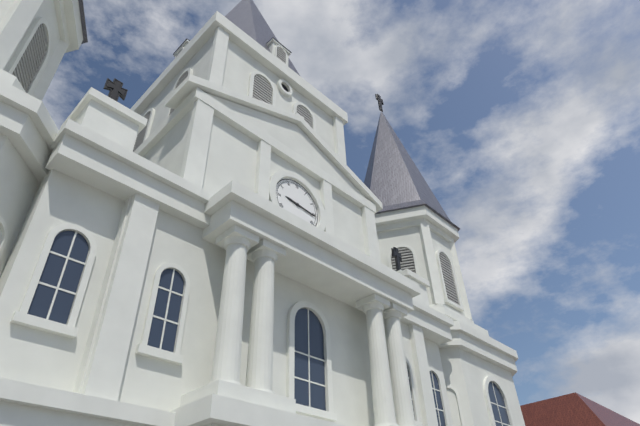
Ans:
h=9 m=16
